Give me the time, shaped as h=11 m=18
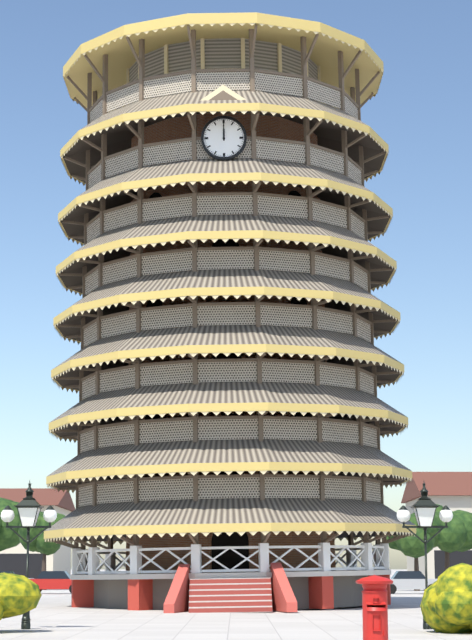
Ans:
h=12 m=0
